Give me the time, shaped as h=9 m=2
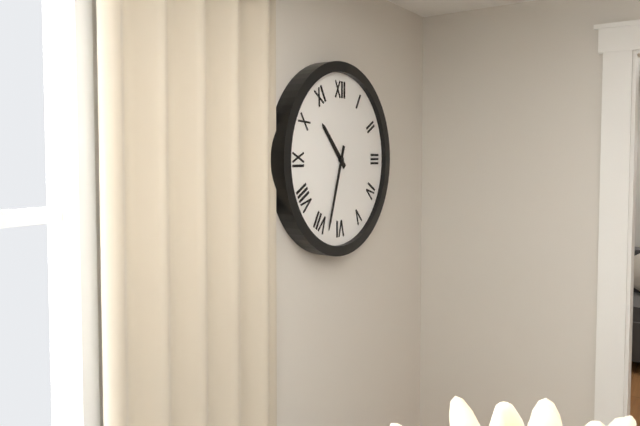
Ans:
h=10 m=33
